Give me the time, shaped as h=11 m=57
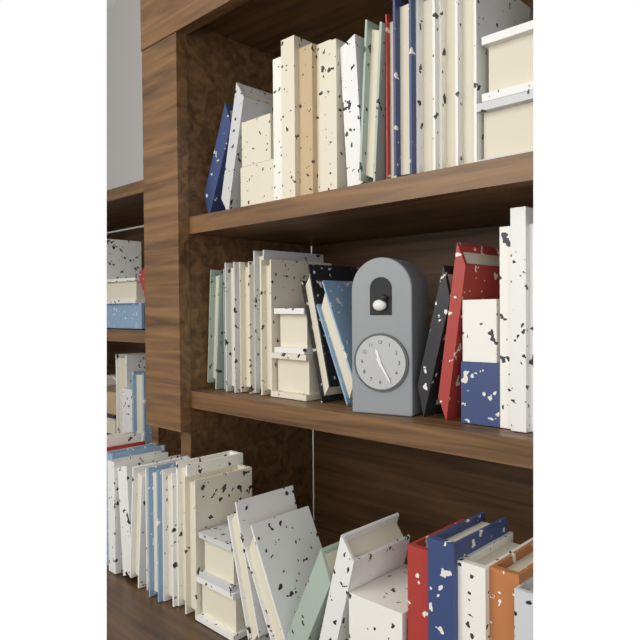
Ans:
h=11 m=25
